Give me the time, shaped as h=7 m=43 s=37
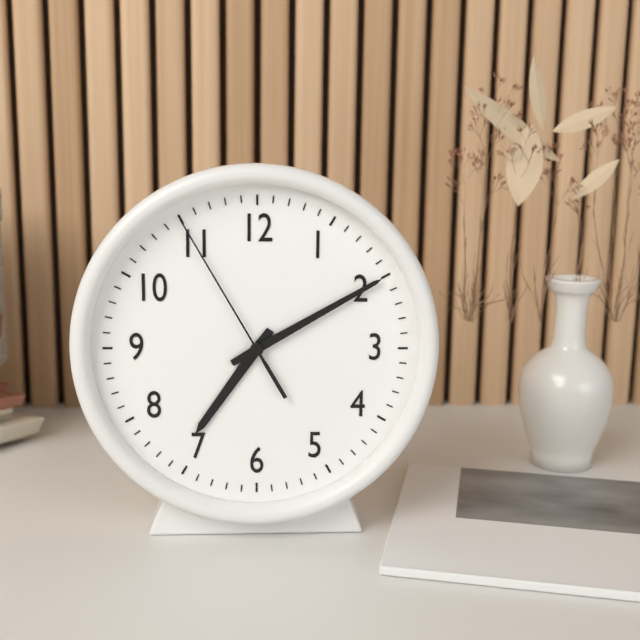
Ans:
h=7 m=10 s=55
